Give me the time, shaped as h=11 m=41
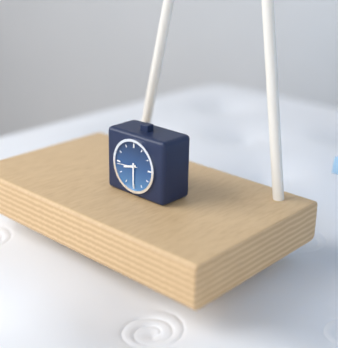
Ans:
h=8 m=30
